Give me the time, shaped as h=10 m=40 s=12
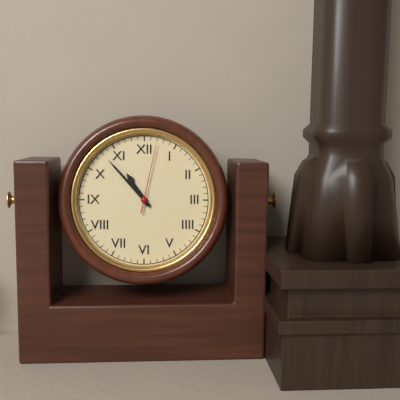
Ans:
h=10 m=53 s=2
